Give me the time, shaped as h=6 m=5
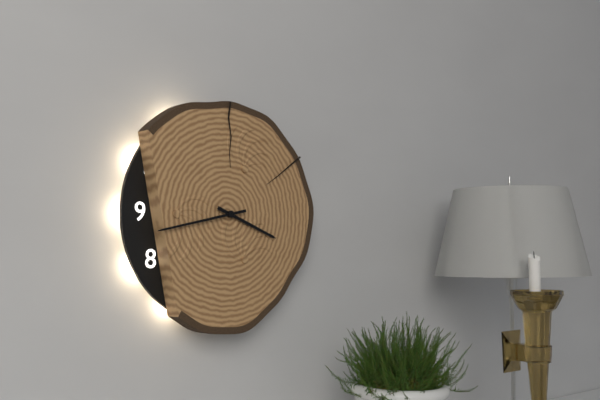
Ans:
h=3 m=43
